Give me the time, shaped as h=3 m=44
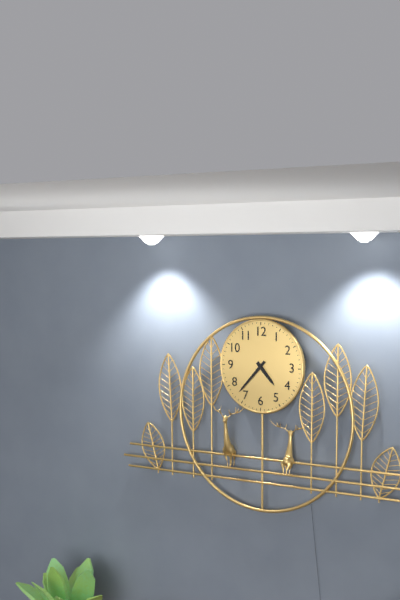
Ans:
h=4 m=37
